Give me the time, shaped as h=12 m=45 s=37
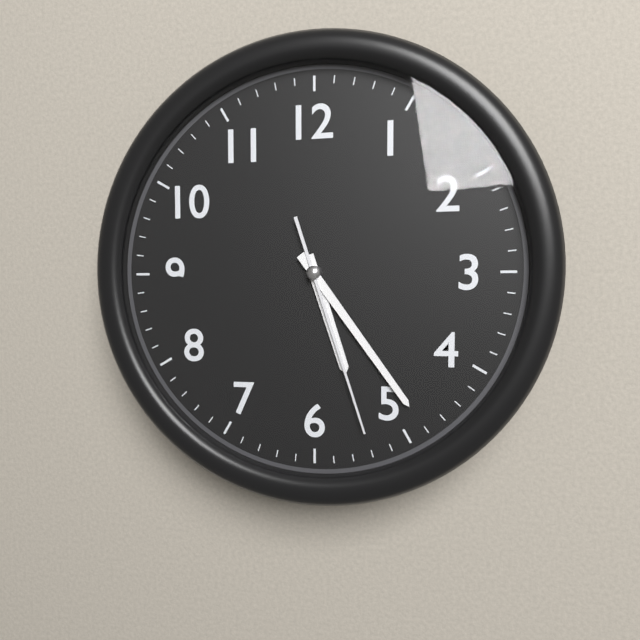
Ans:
h=5 m=24 s=27
